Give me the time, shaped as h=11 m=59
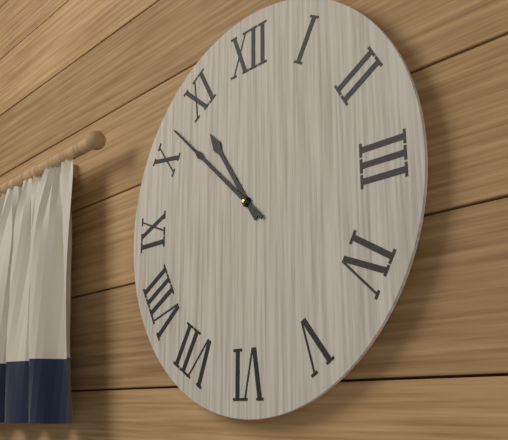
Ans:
h=10 m=52
